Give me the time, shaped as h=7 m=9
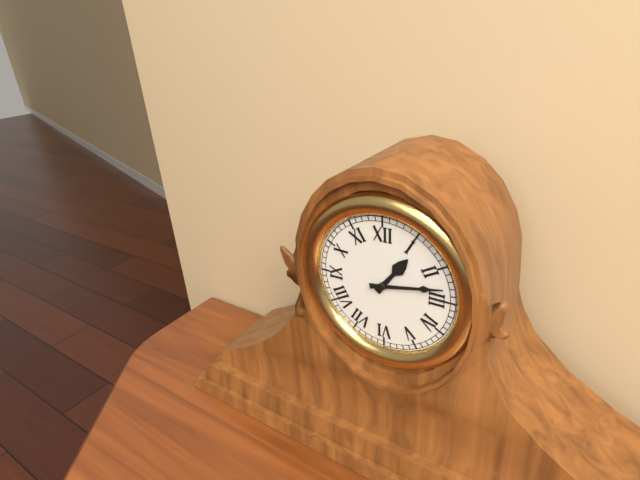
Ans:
h=1 m=13
